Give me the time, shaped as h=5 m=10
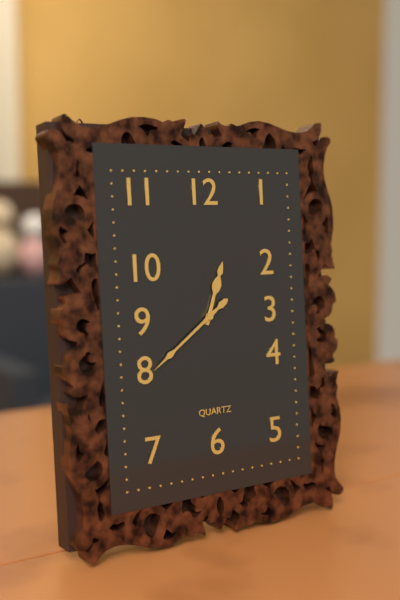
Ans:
h=12 m=39
